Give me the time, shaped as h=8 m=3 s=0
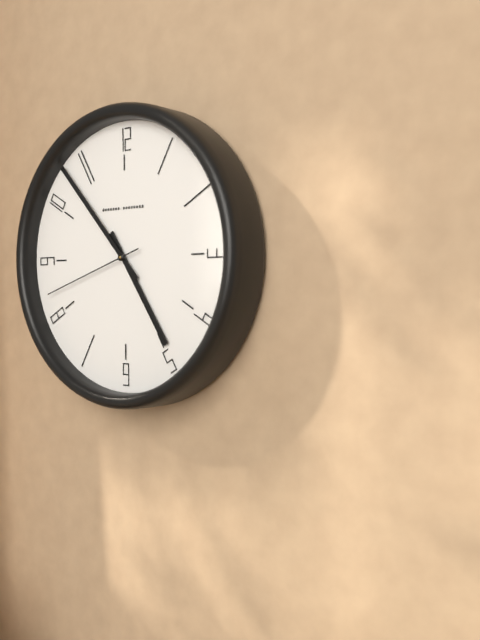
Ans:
h=4 m=53 s=42
